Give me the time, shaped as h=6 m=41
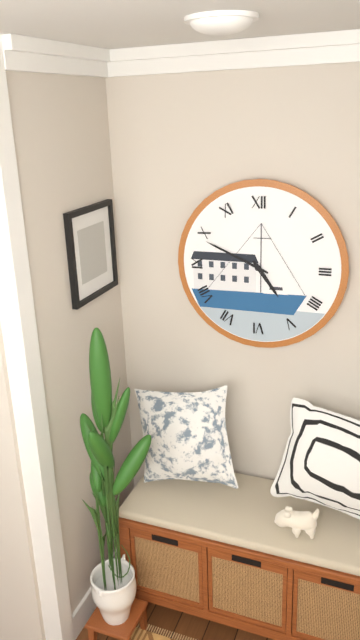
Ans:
h=4 m=49
